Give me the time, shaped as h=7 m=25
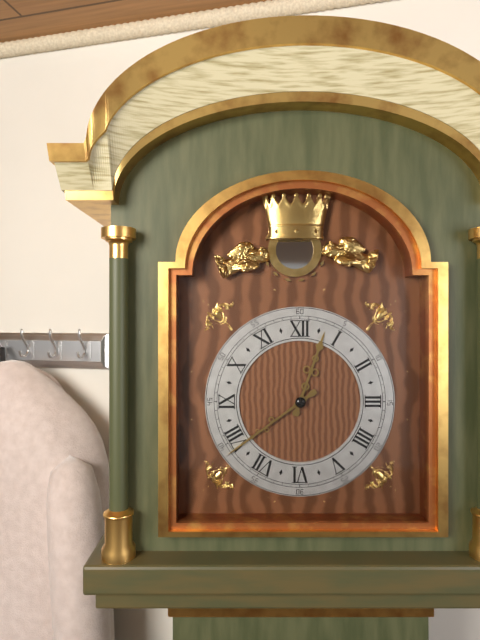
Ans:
h=12 m=39
